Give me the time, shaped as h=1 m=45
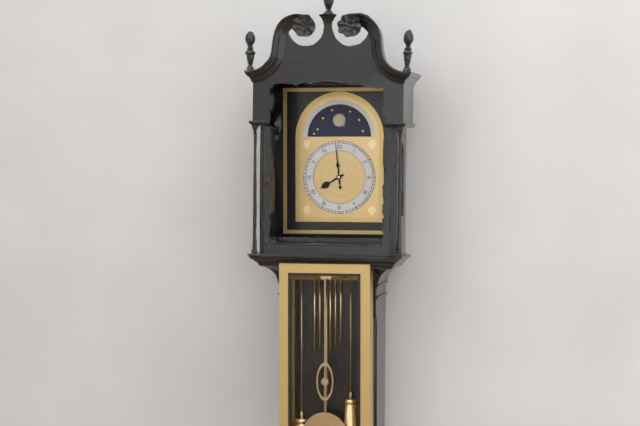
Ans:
h=7 m=59
